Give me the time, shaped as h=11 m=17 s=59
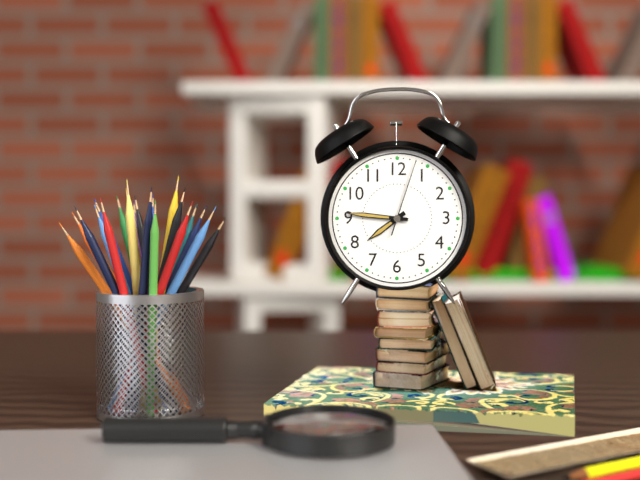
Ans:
h=7 m=46 s=3
